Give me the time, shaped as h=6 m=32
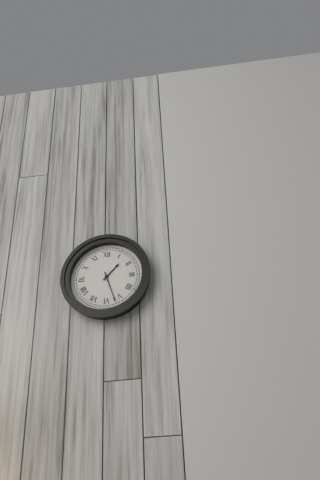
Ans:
h=1 m=27
